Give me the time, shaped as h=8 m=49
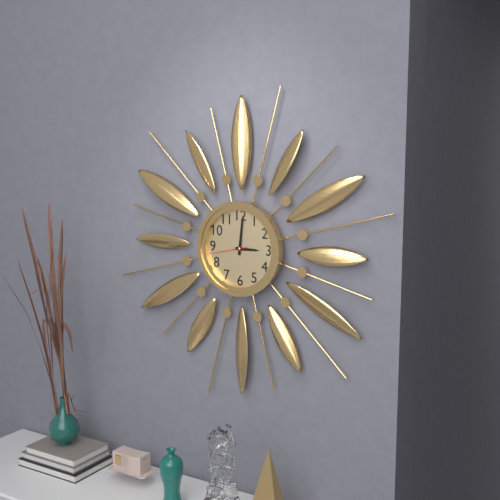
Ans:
h=3 m=1
